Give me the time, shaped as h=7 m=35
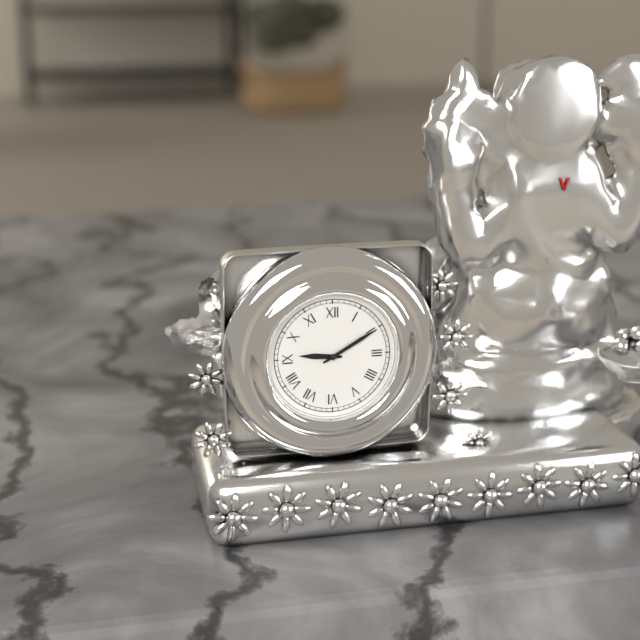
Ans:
h=9 m=10
